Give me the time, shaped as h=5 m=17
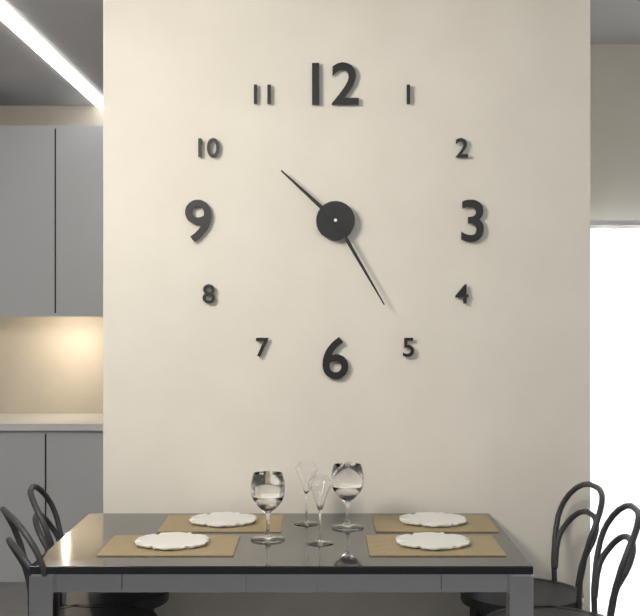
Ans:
h=10 m=25
